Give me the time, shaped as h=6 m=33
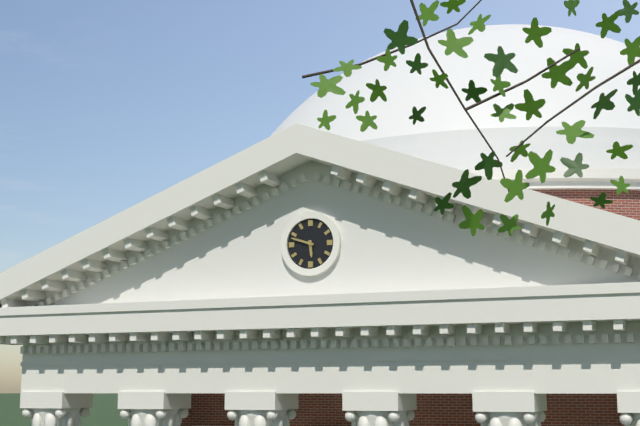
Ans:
h=5 m=48
